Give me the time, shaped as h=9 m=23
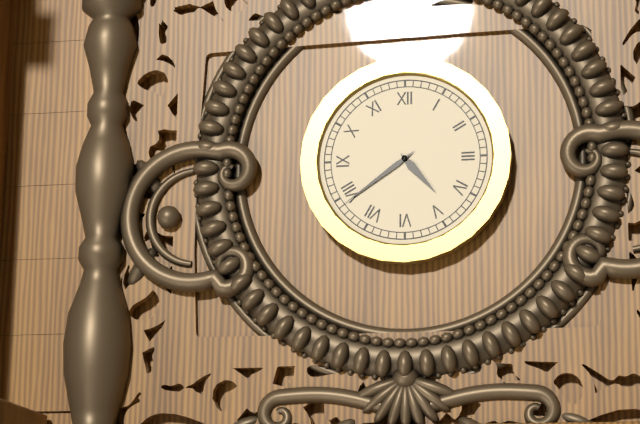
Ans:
h=4 m=39
